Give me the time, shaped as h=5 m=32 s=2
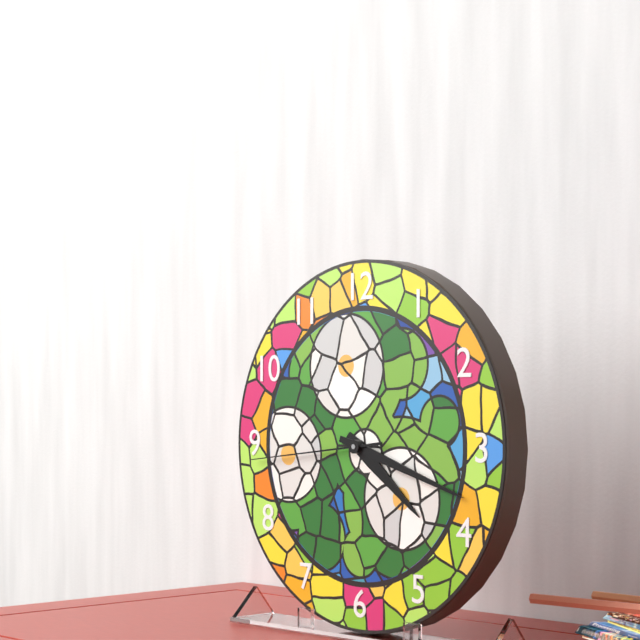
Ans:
h=4 m=18 s=44
